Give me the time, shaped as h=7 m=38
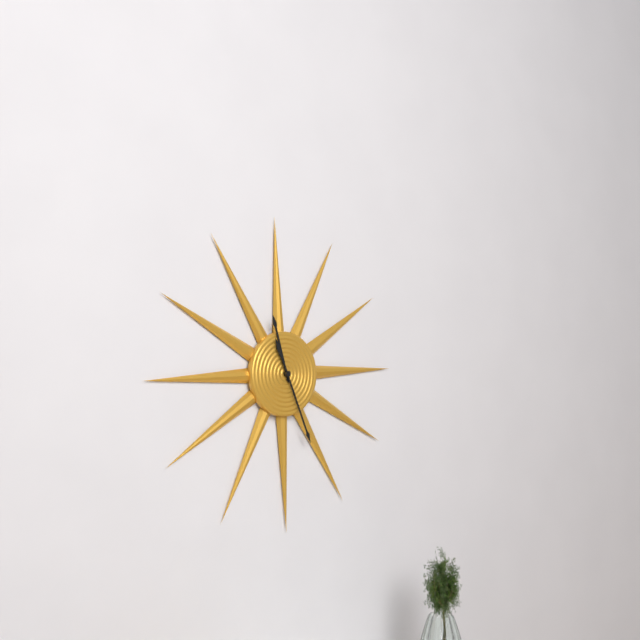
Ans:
h=11 m=26
